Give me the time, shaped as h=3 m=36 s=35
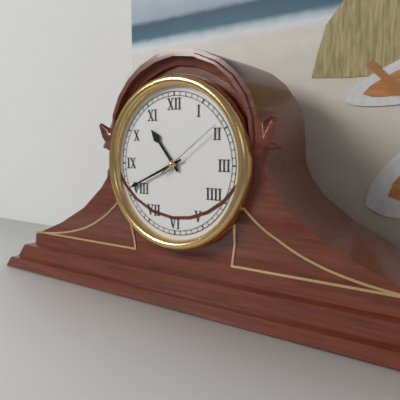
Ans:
h=10 m=41 s=9
